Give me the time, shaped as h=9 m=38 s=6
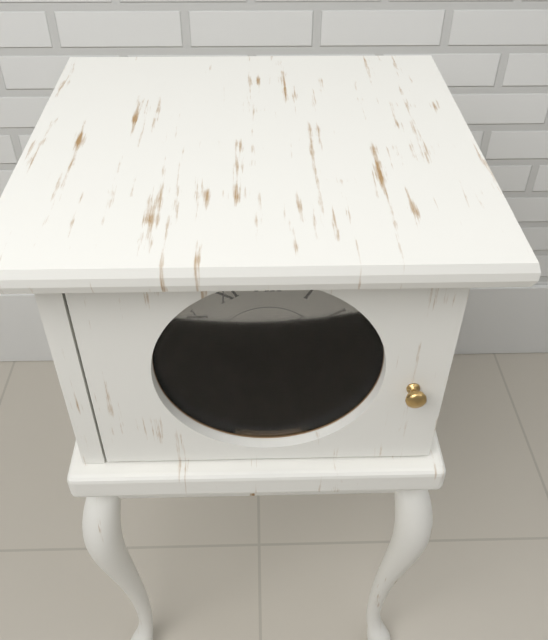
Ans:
h=1 m=20 s=41
